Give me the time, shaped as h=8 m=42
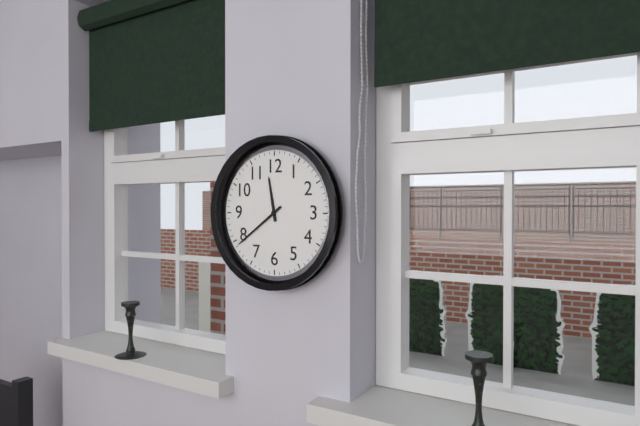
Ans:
h=11 m=39
